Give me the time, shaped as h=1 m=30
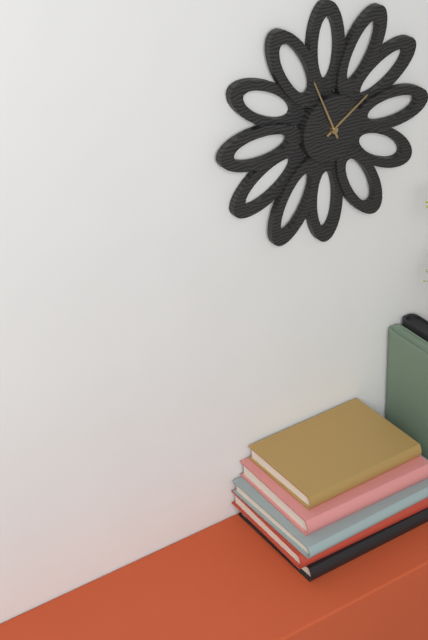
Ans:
h=1 m=56
